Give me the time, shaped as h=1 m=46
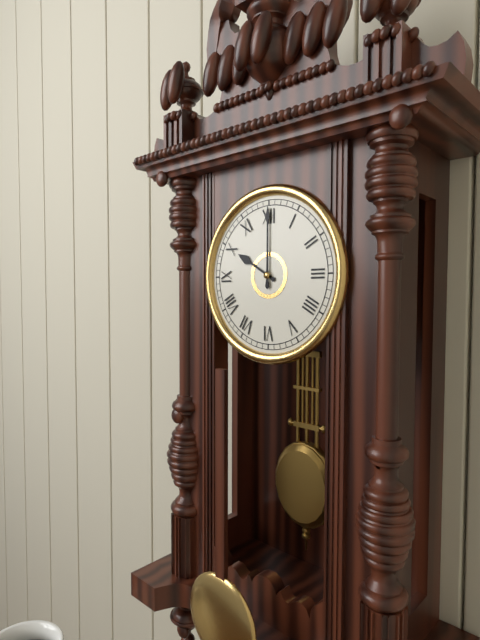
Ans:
h=10 m=0
